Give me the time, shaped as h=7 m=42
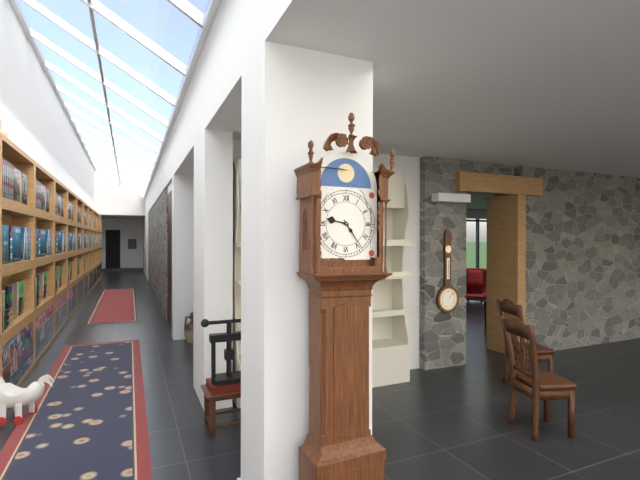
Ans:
h=9 m=24
